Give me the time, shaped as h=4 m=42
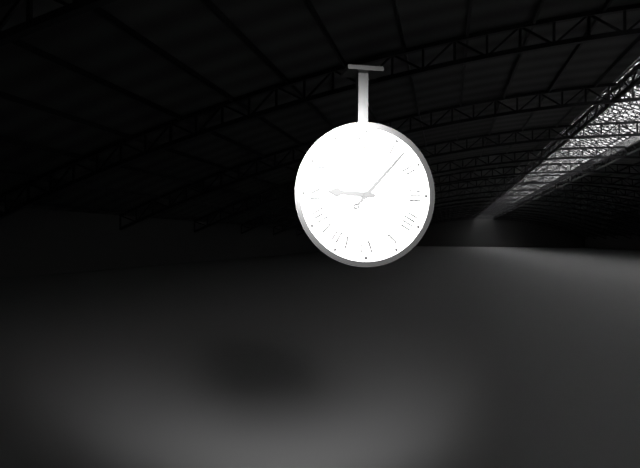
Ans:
h=9 m=7
